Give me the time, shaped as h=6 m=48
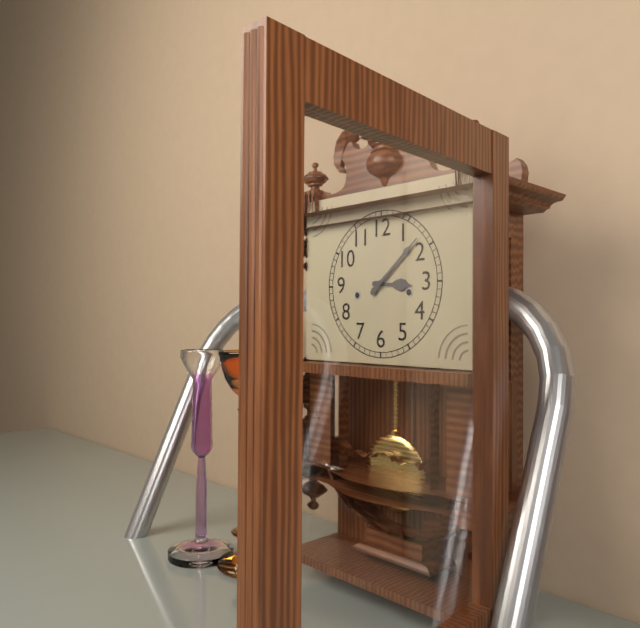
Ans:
h=3 m=8
